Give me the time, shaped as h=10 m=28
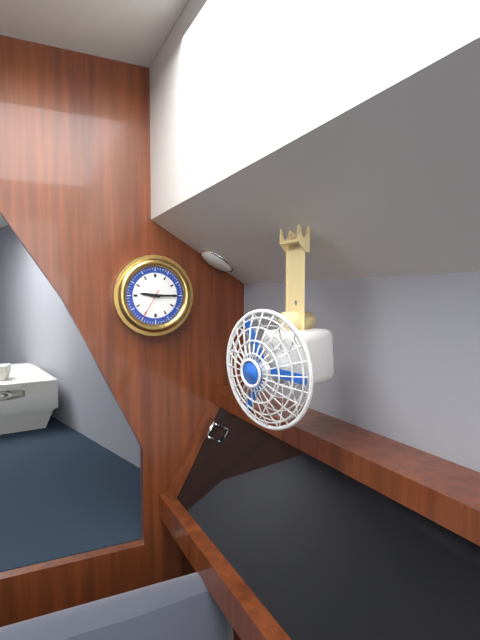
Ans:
h=9 m=15
